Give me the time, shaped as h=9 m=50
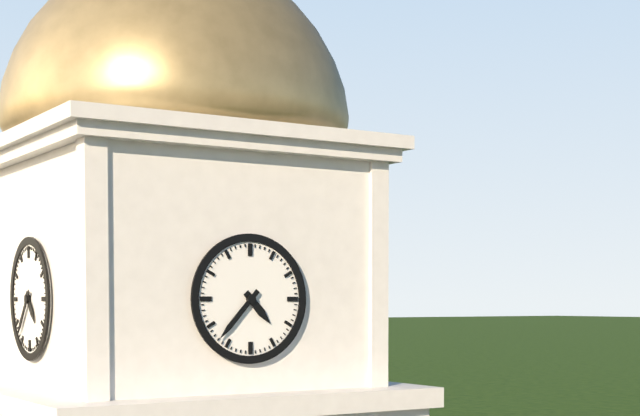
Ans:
h=4 m=37
